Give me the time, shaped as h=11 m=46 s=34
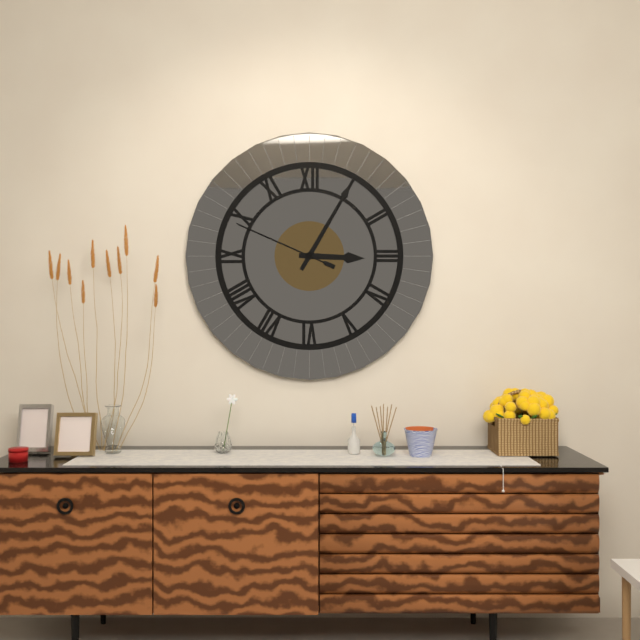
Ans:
h=3 m=5 s=49
